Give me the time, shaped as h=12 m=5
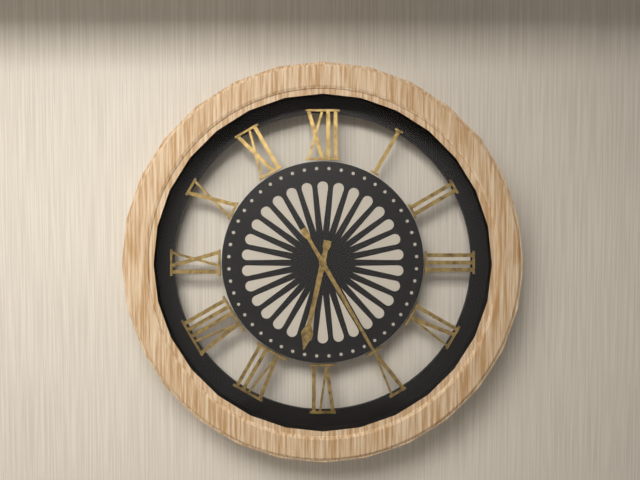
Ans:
h=6 m=25
